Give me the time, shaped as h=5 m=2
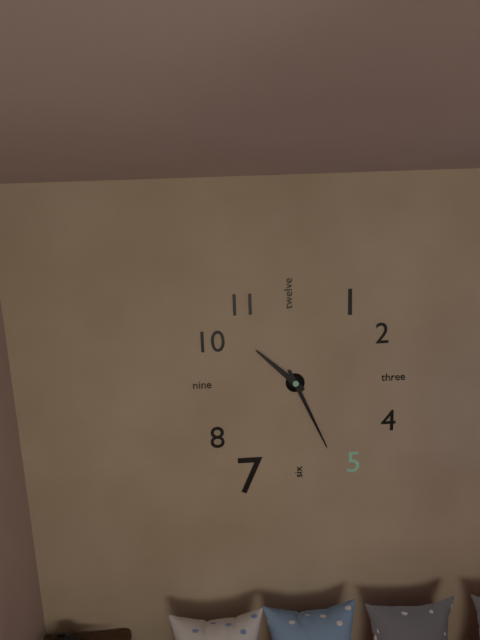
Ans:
h=10 m=26
